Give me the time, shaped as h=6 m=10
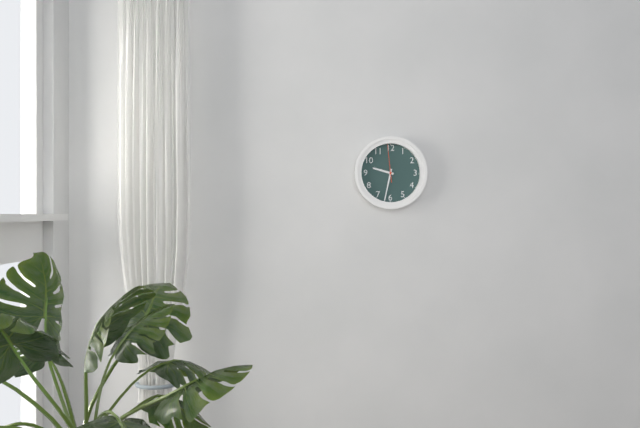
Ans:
h=9 m=32
